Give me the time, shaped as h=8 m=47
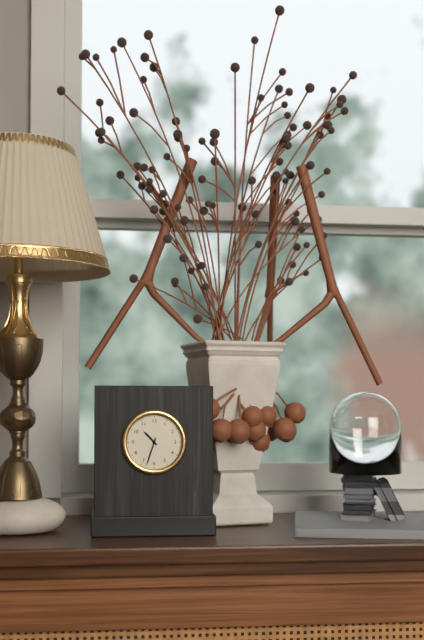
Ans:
h=10 m=33
